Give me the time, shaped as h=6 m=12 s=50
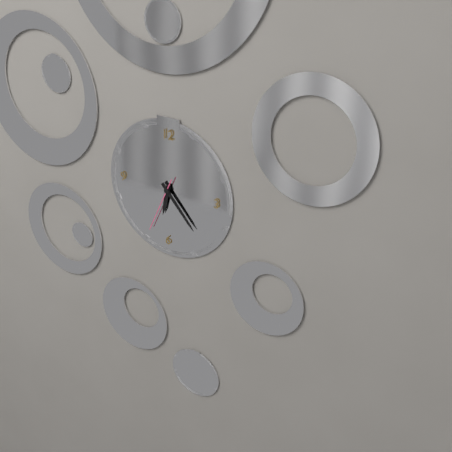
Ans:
h=6 m=23 s=34
